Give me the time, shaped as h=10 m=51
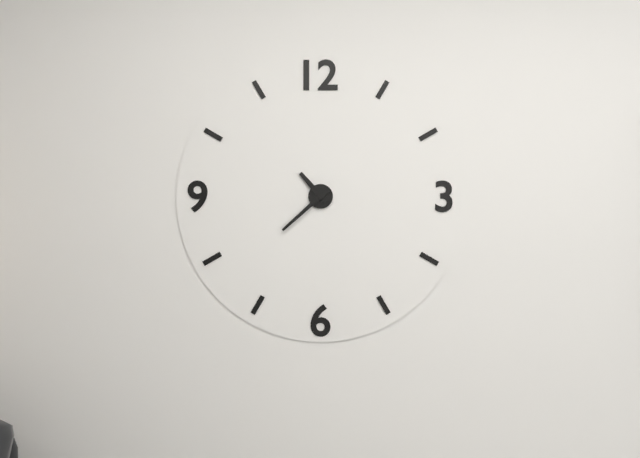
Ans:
h=10 m=38
